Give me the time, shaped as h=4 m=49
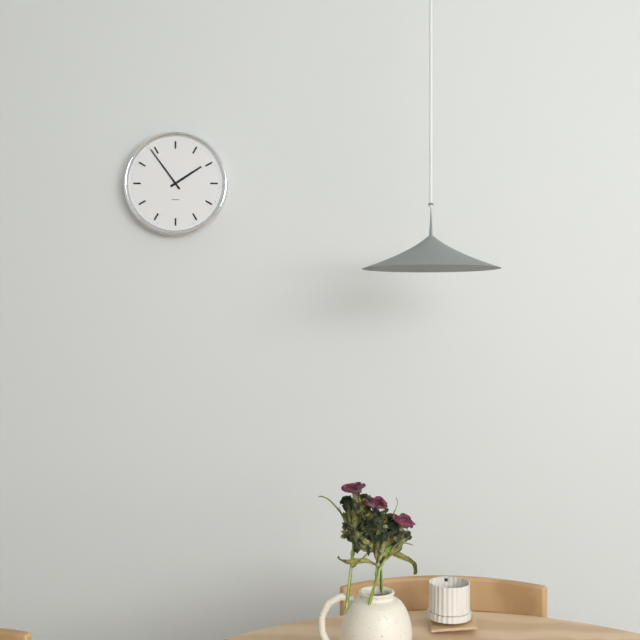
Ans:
h=1 m=54
